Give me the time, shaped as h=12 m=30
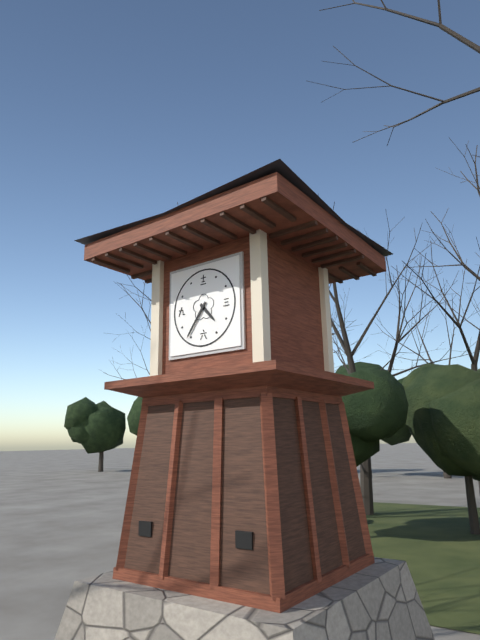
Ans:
h=4 m=36
